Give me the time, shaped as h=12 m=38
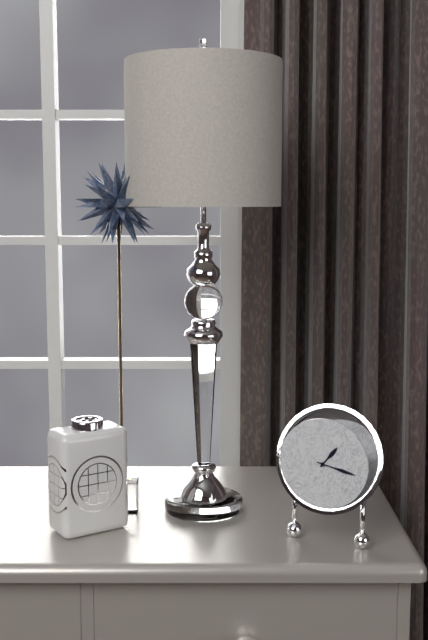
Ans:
h=1 m=17
